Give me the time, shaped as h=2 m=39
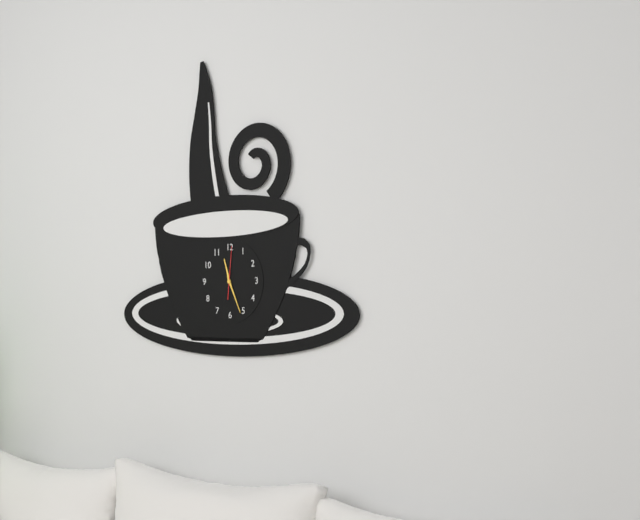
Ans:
h=11 m=26
